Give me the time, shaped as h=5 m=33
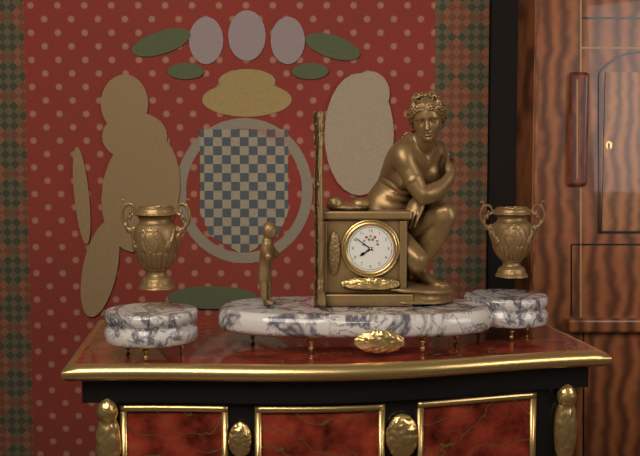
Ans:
h=7 m=51
